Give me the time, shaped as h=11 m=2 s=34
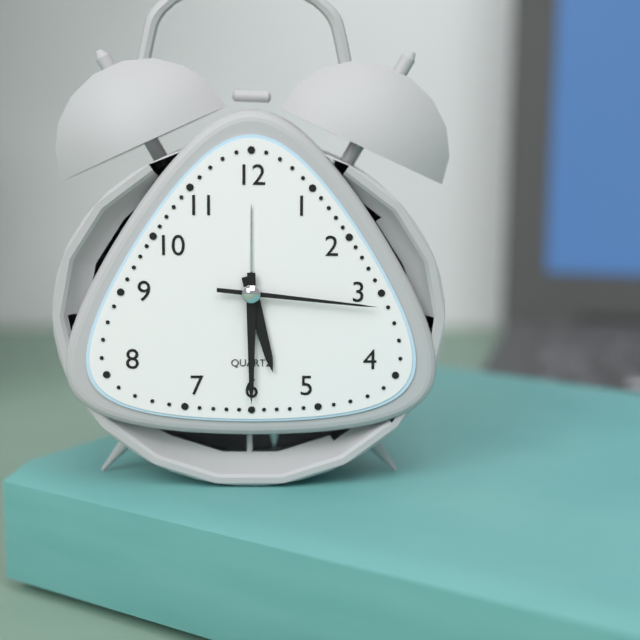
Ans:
h=5 m=30 s=16
